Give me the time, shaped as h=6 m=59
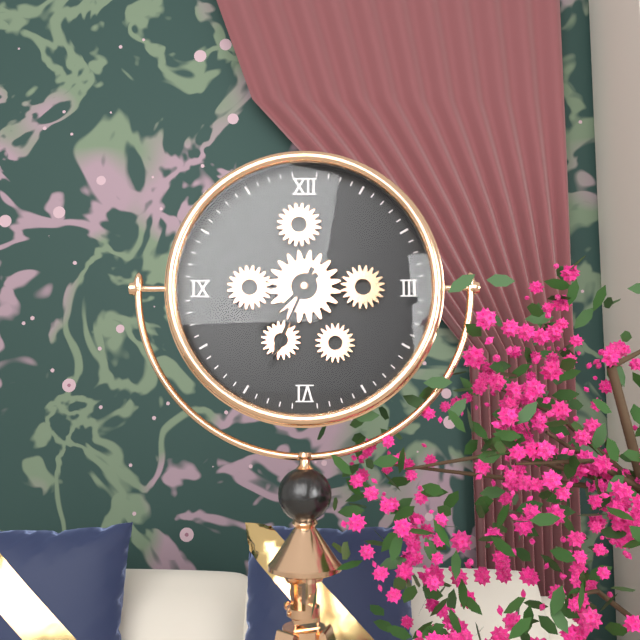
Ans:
h=7 m=34
